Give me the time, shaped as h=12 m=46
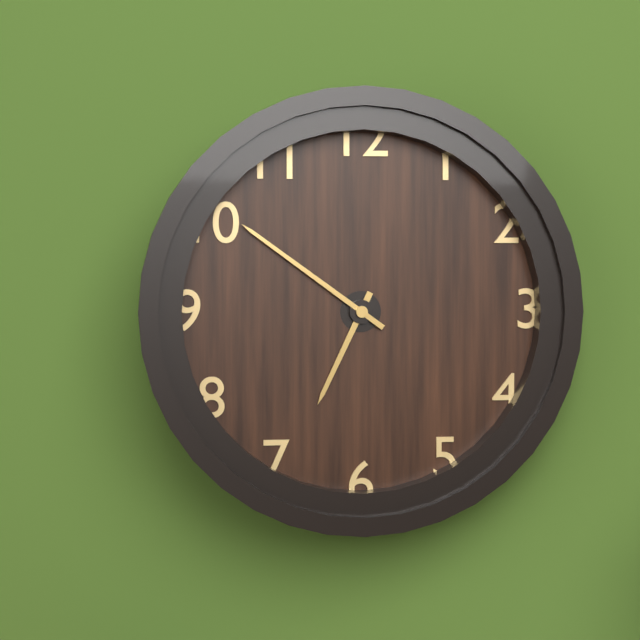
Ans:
h=6 m=51
